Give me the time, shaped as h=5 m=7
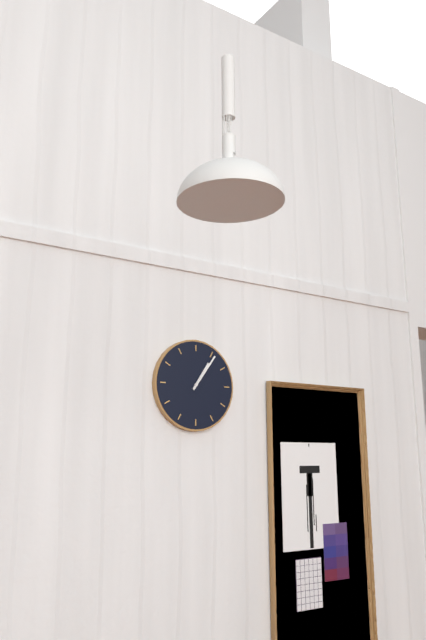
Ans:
h=1 m=6
